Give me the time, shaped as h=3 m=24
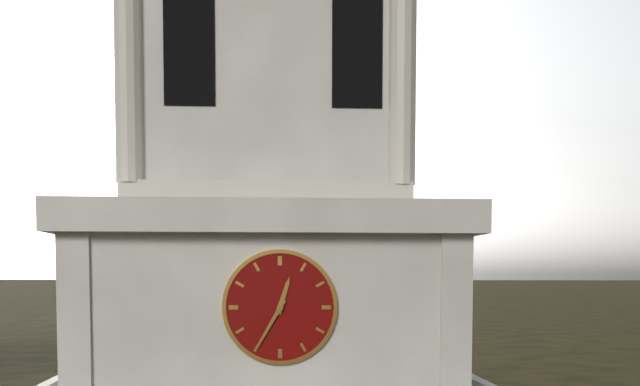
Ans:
h=12 m=35
